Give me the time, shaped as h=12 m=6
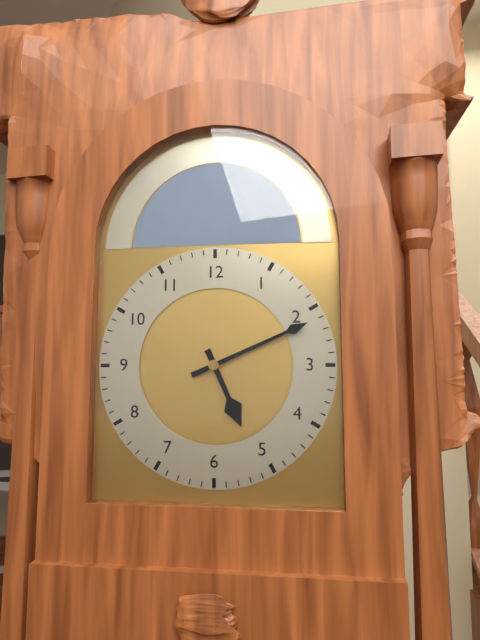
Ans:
h=5 m=11
